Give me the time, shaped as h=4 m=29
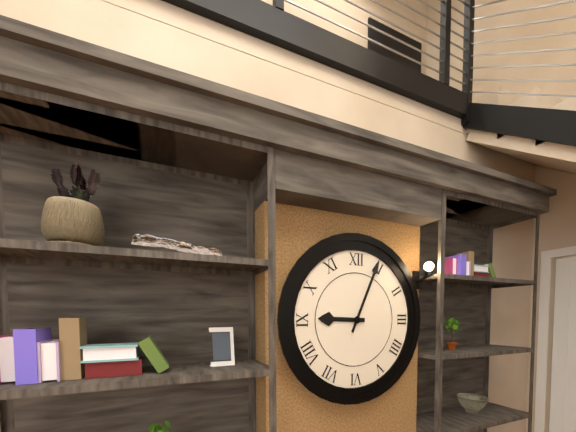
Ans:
h=9 m=4
